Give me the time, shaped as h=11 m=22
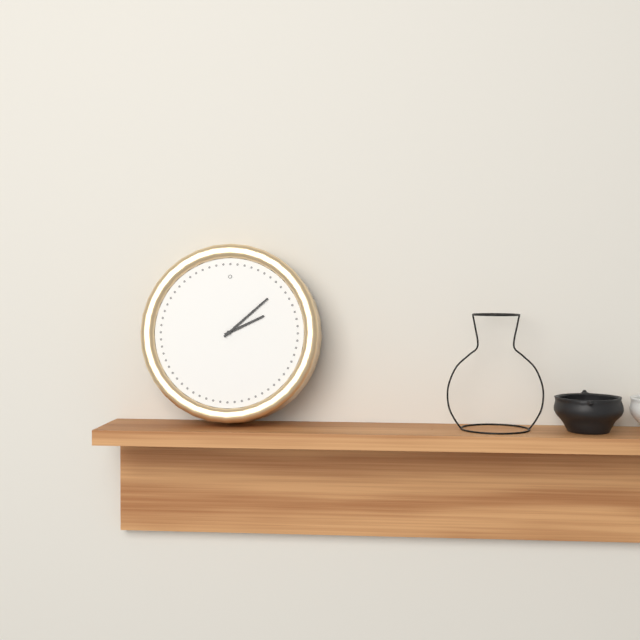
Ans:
h=2 m=8
